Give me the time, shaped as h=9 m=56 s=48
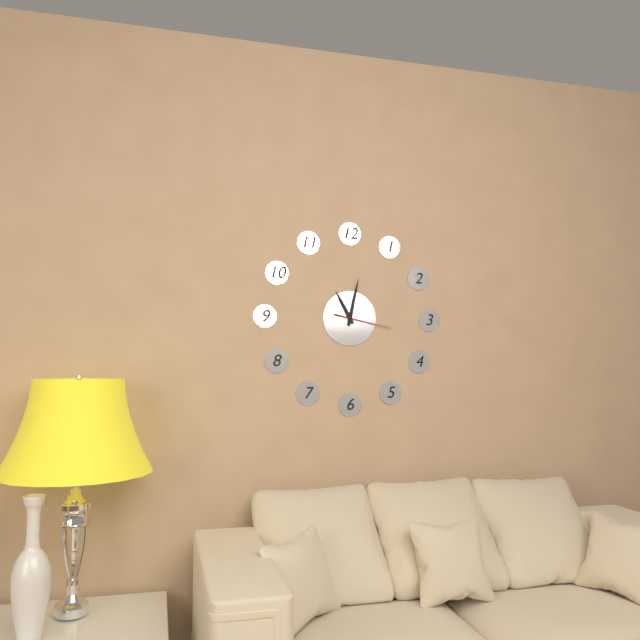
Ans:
h=11 m=2 s=17
